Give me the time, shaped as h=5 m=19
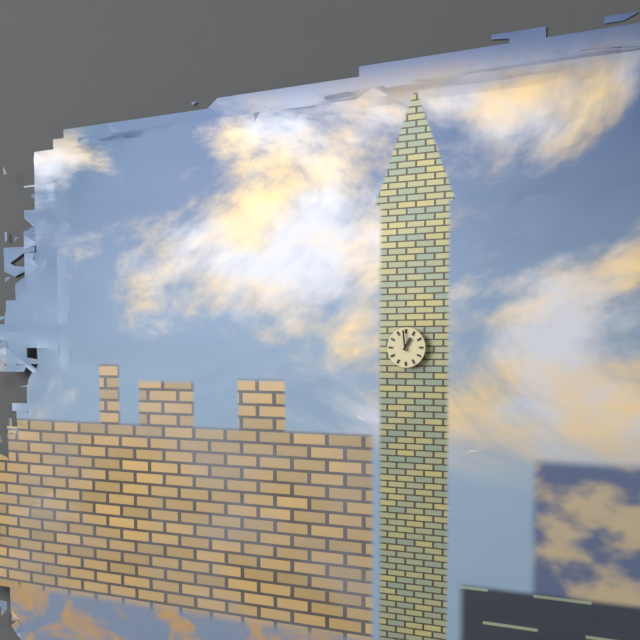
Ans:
h=12 m=59
